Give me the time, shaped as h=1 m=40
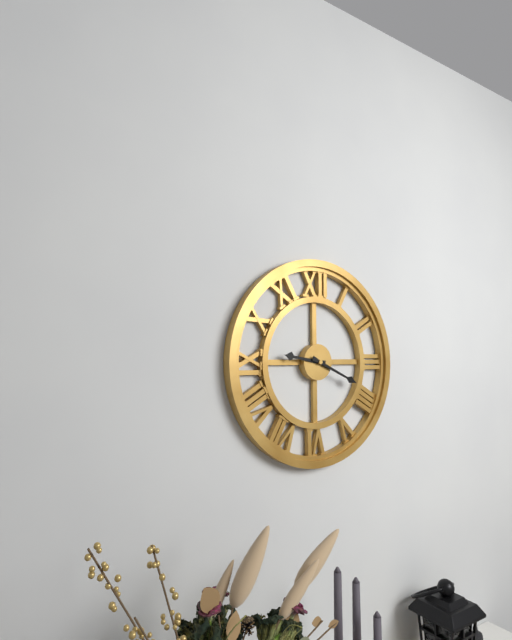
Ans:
h=9 m=19
